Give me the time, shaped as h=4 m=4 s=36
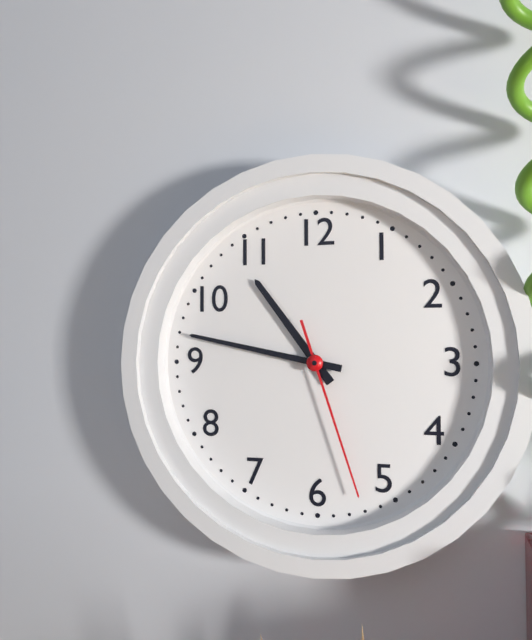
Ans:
h=10 m=47 s=27
